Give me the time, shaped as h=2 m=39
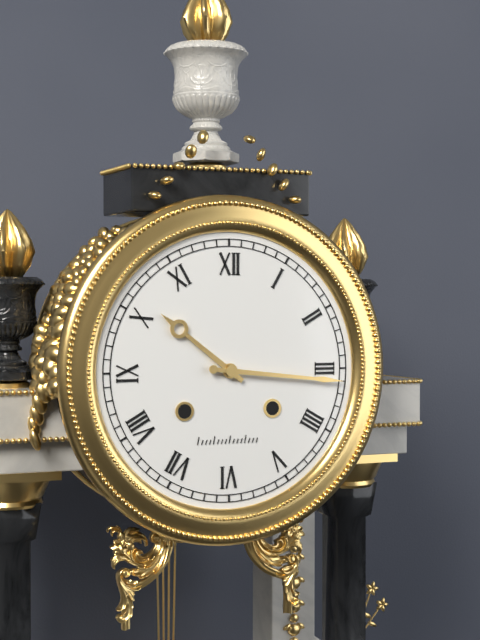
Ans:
h=10 m=16
